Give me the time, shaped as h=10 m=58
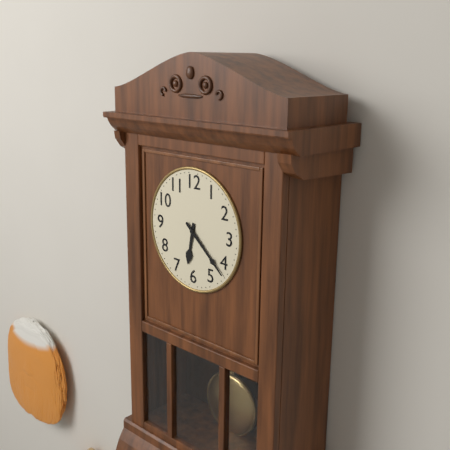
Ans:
h=6 m=22
